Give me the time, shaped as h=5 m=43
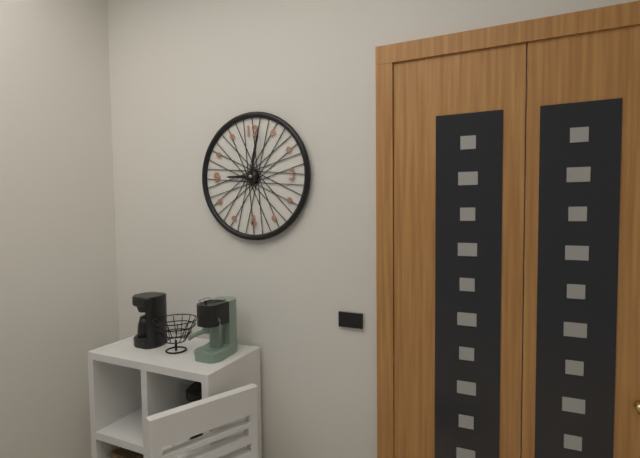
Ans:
h=9 m=2
